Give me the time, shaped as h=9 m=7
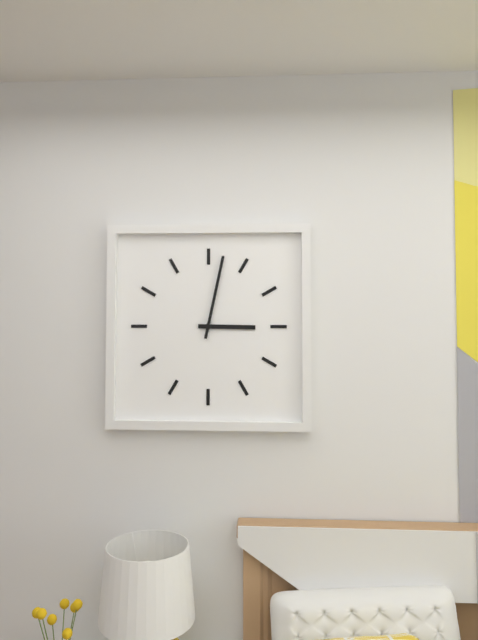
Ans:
h=3 m=2
